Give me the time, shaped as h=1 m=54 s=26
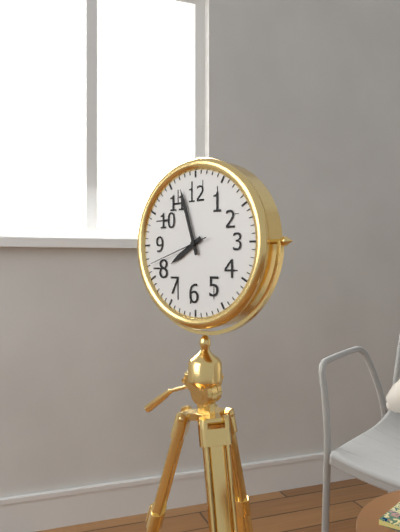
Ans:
h=7 m=57 s=42
